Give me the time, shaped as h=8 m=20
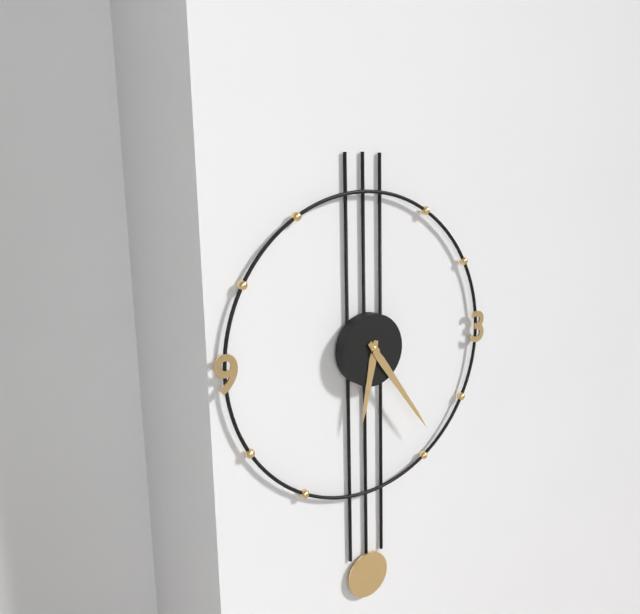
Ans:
h=6 m=24
